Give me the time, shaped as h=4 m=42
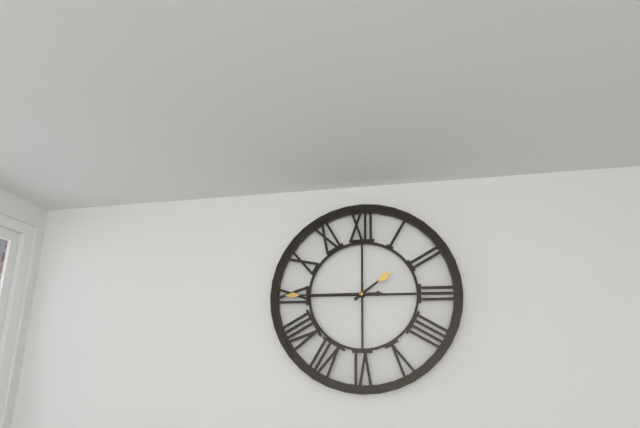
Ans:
h=1 m=45
